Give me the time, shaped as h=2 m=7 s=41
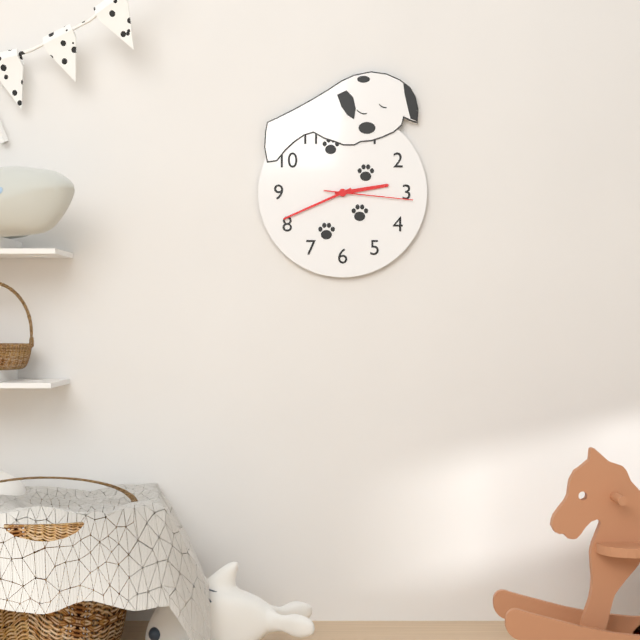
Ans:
h=2 m=41 s=16
